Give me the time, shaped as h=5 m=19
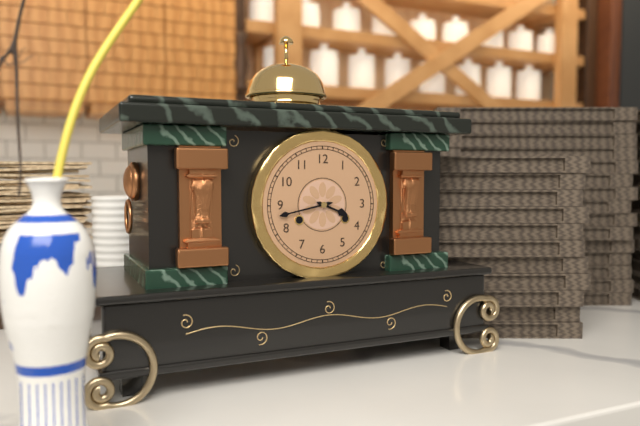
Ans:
h=3 m=43
